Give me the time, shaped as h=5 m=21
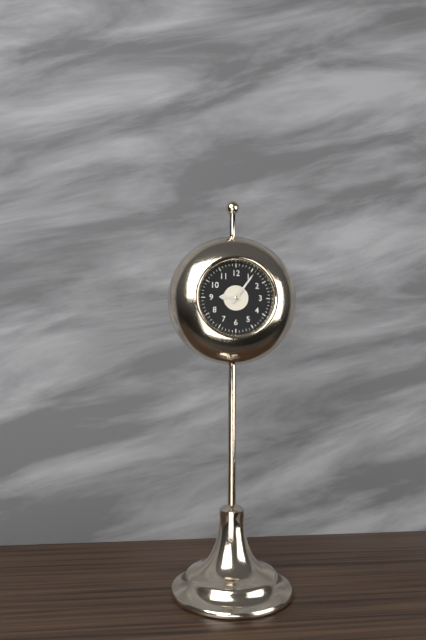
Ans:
h=9 m=6
